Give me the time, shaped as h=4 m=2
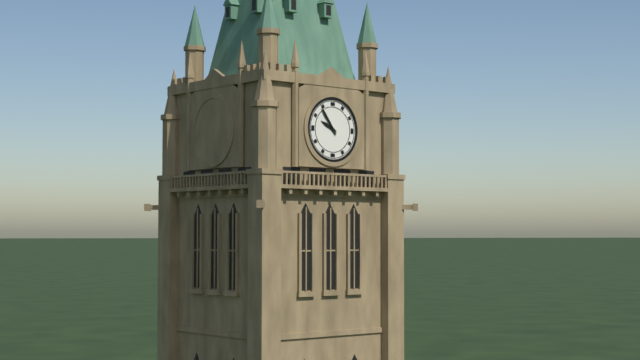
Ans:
h=9 m=54
